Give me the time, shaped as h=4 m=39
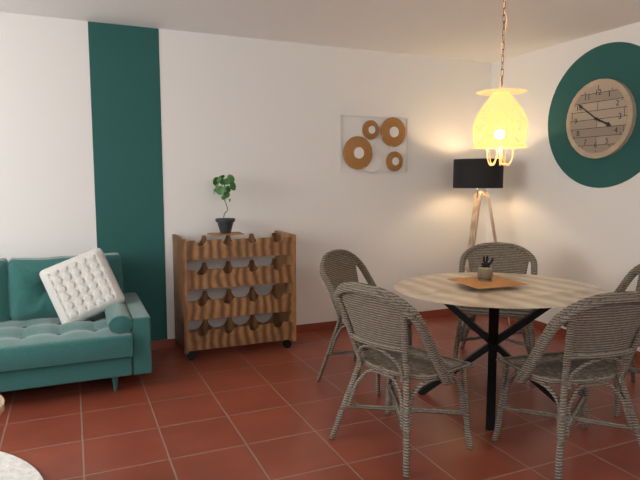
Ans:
h=3 m=51
